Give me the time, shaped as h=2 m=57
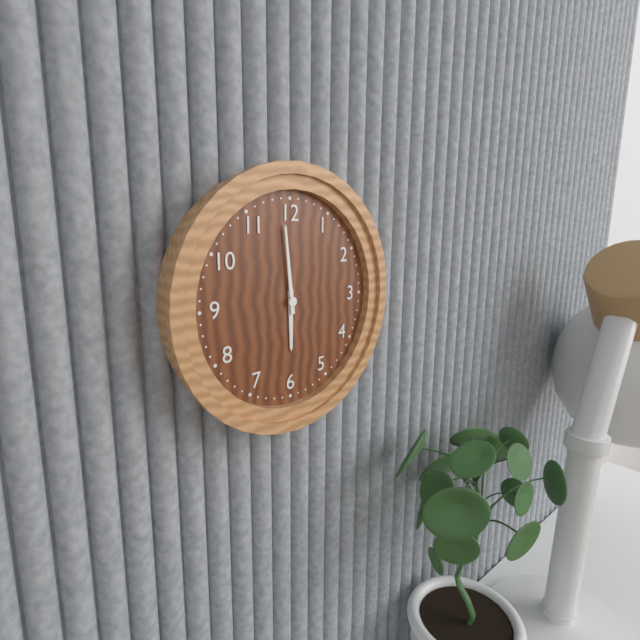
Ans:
h=5 m=59
